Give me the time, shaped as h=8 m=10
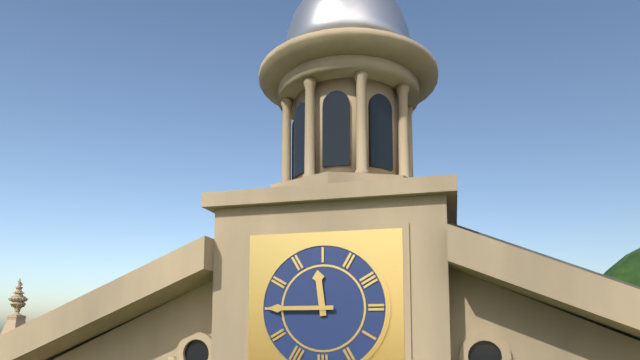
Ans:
h=11 m=45
